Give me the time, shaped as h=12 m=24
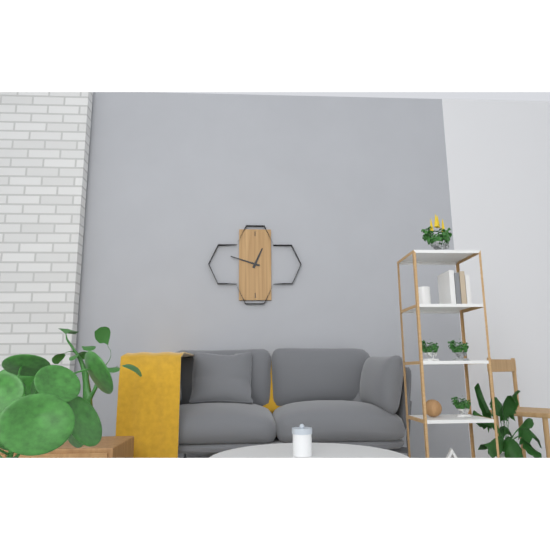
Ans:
h=12 m=48
